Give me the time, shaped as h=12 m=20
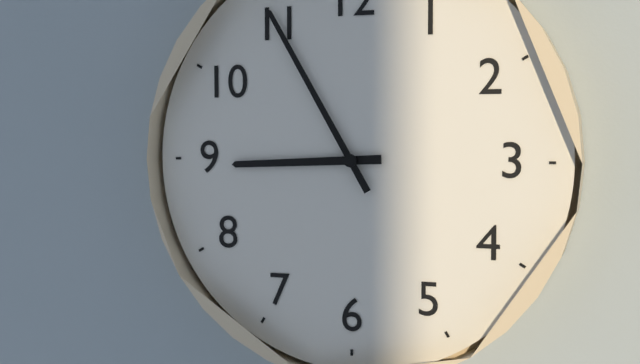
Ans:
h=8 m=55
